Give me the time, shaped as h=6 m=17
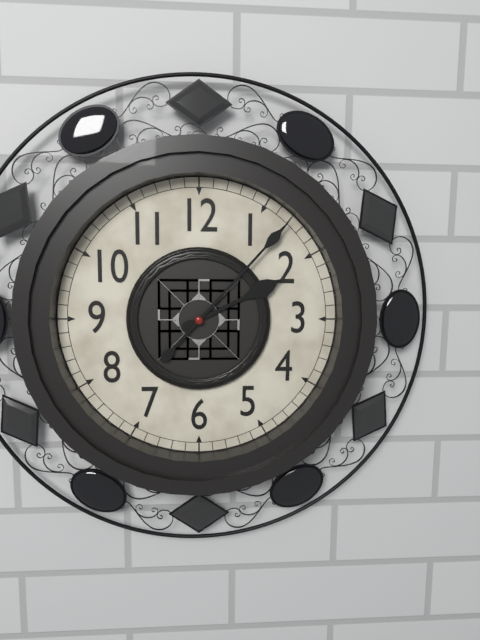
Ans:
h=2 m=7
